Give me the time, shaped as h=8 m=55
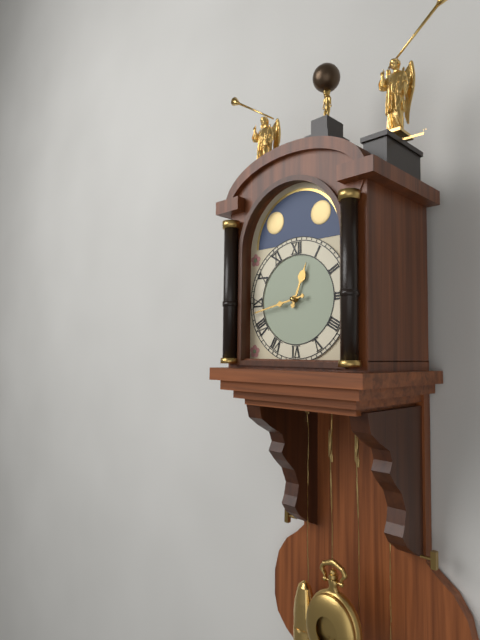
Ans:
h=12 m=43
